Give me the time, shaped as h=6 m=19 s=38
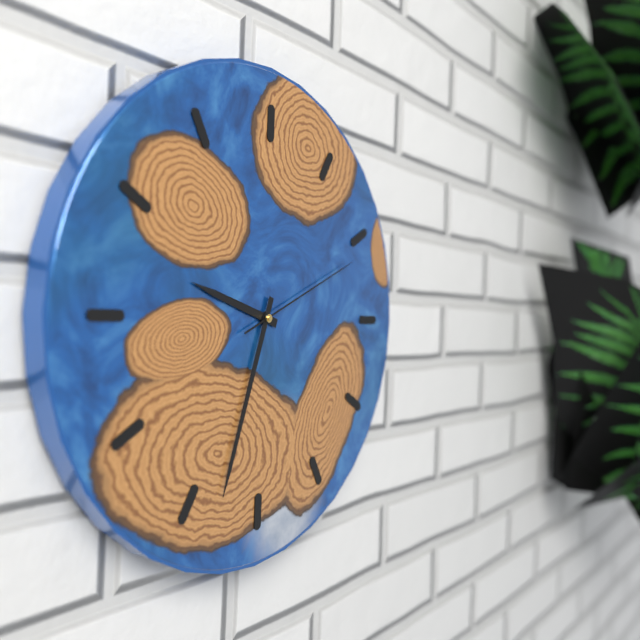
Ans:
h=9 m=33 s=11
